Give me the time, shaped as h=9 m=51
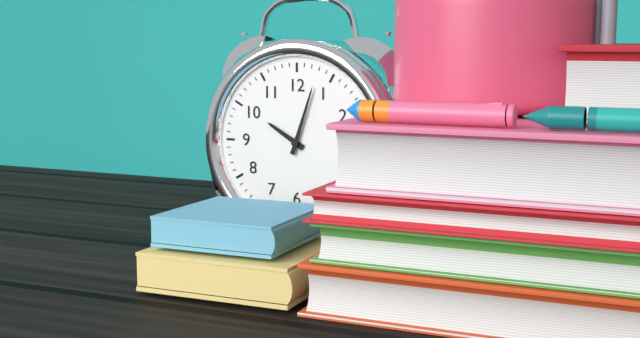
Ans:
h=10 m=3
